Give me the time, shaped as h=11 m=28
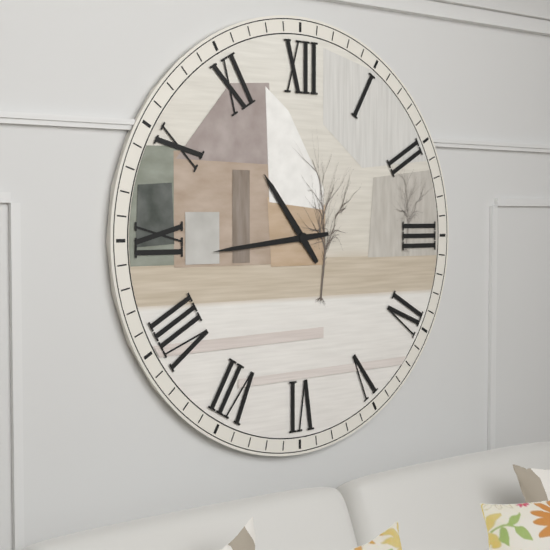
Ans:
h=10 m=44
